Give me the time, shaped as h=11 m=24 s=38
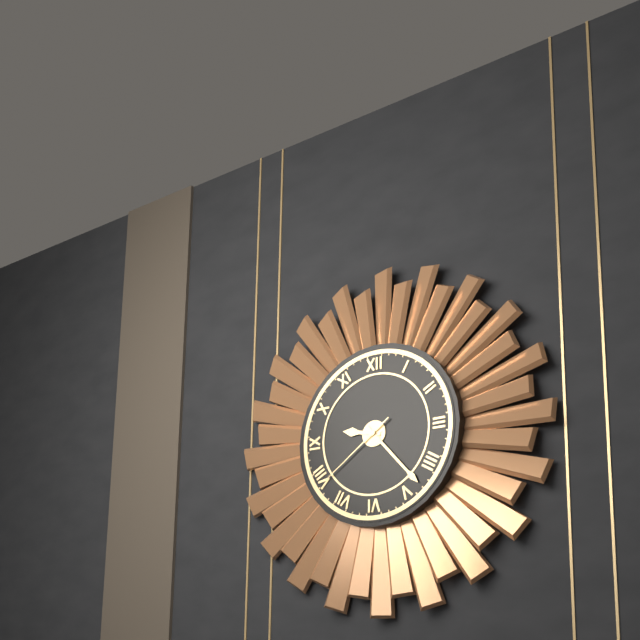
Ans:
h=9 m=23 s=39
